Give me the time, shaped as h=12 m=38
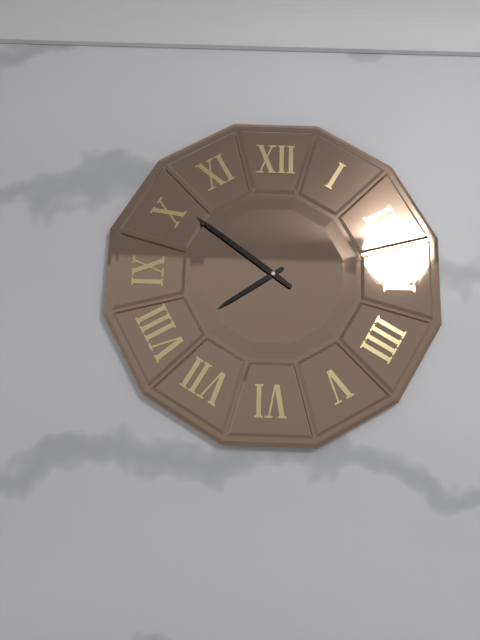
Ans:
h=7 m=51
